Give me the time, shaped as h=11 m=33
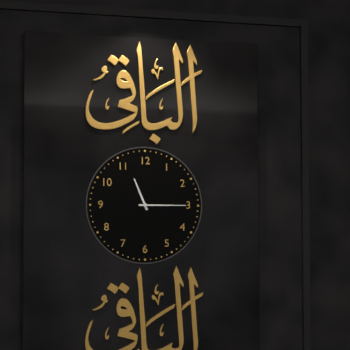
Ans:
h=11 m=15
